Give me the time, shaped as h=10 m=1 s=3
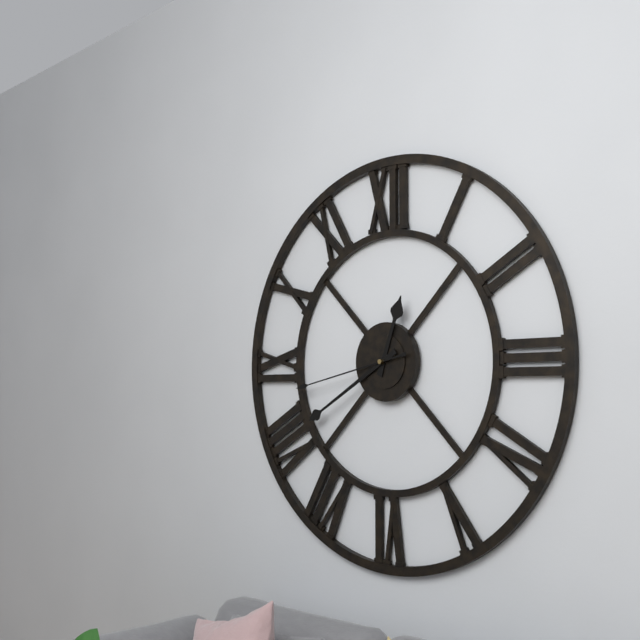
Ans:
h=12 m=40 s=43
